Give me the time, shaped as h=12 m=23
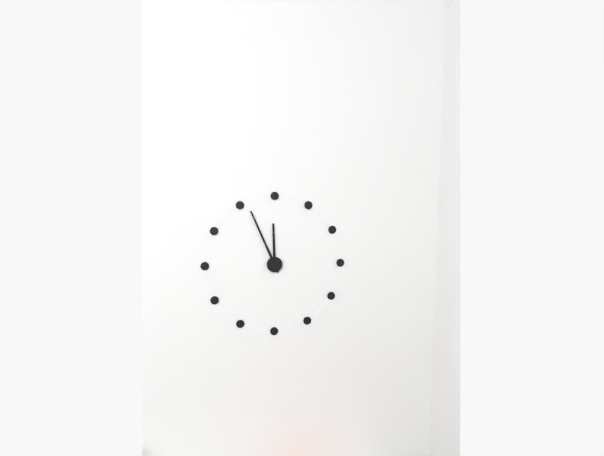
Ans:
h=11 m=56
